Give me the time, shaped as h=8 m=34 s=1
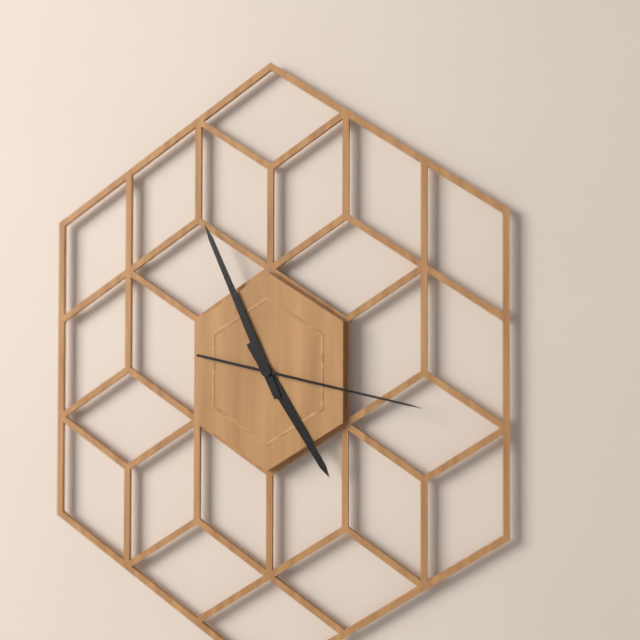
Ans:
h=4 m=56 s=17
